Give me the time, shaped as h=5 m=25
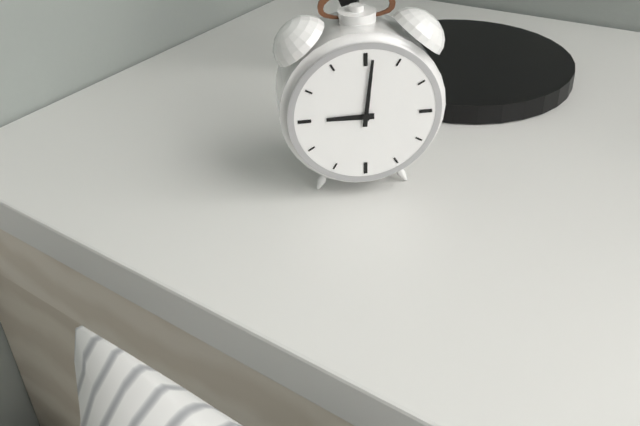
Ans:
h=9 m=1
